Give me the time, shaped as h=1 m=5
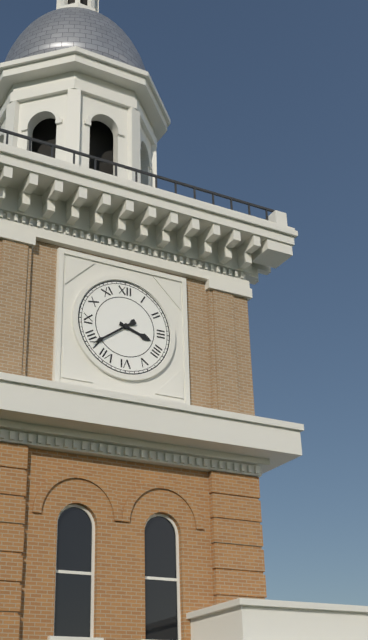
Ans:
h=3 m=39
